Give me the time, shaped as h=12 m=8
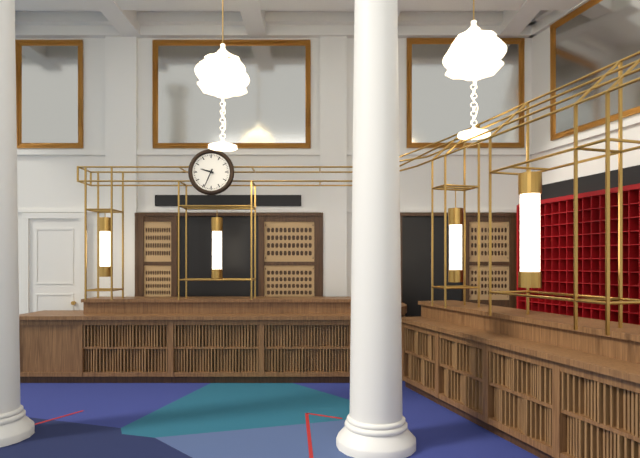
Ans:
h=9 m=34
